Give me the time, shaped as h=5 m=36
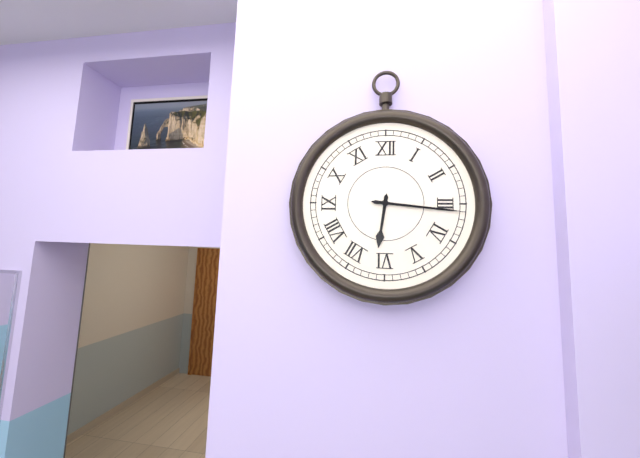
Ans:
h=6 m=16
